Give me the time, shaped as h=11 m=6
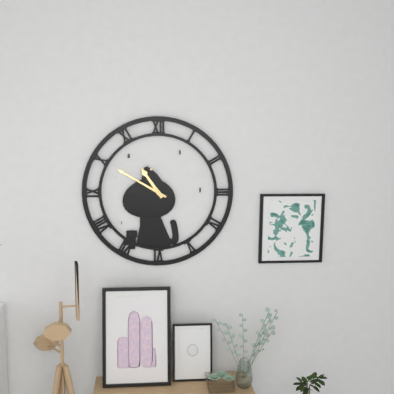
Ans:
h=10 m=50
